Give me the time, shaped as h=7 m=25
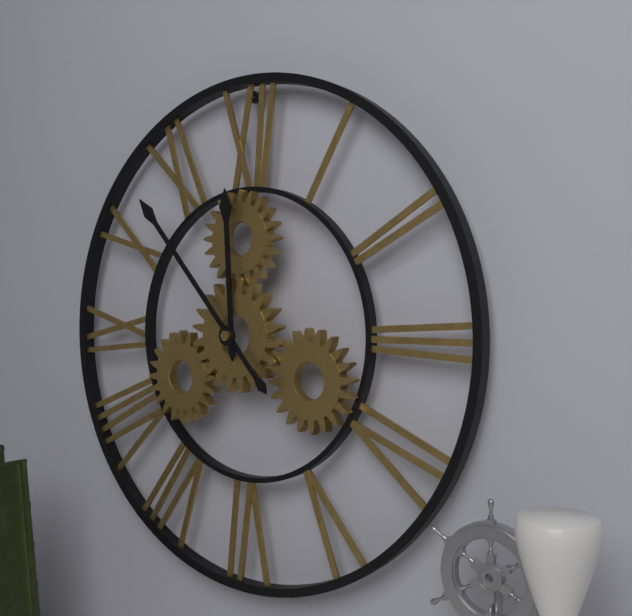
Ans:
h=11 m=53
